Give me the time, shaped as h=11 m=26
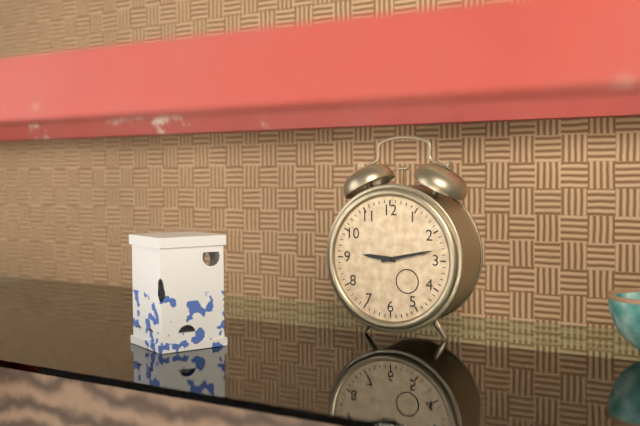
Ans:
h=9 m=13
